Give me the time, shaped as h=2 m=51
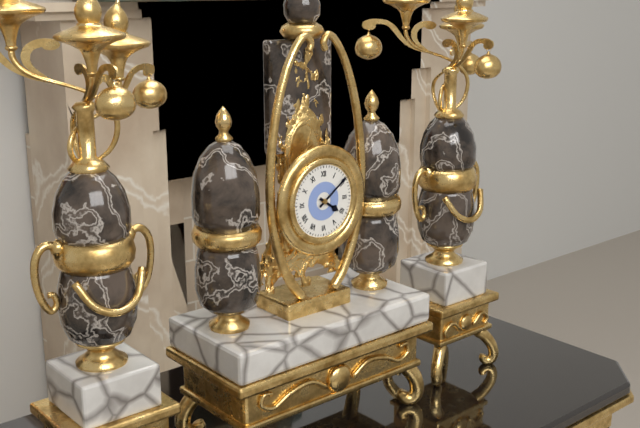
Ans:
h=4 m=9
